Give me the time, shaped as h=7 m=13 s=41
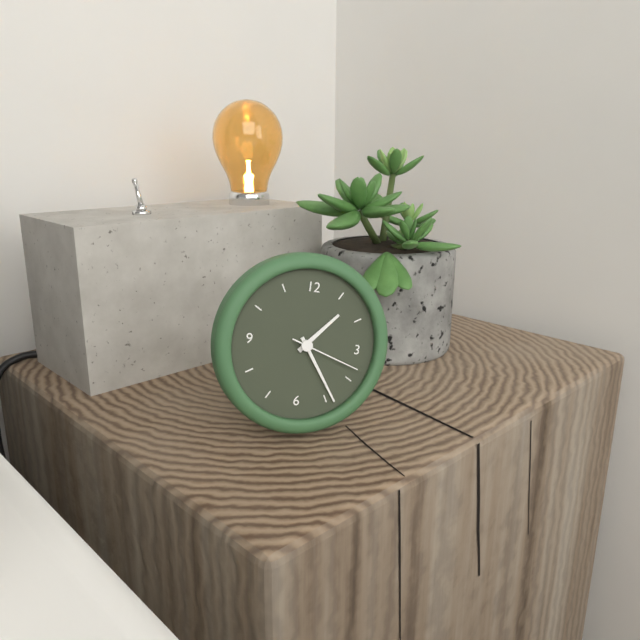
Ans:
h=1 m=24 s=18
